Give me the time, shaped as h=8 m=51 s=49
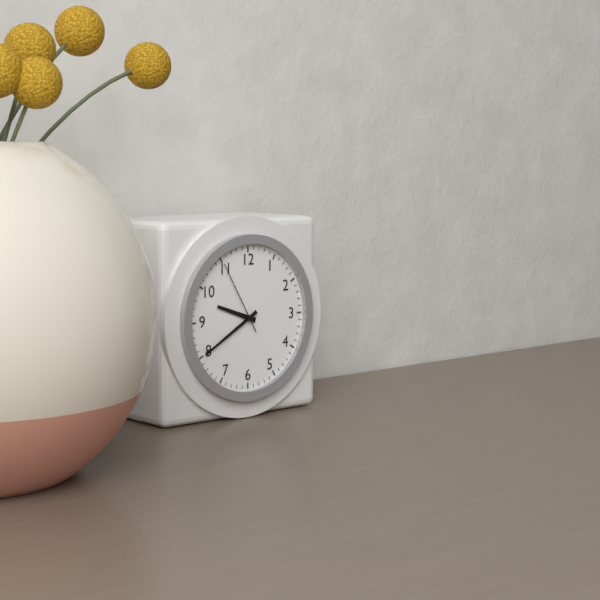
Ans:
h=9 m=40 s=55
